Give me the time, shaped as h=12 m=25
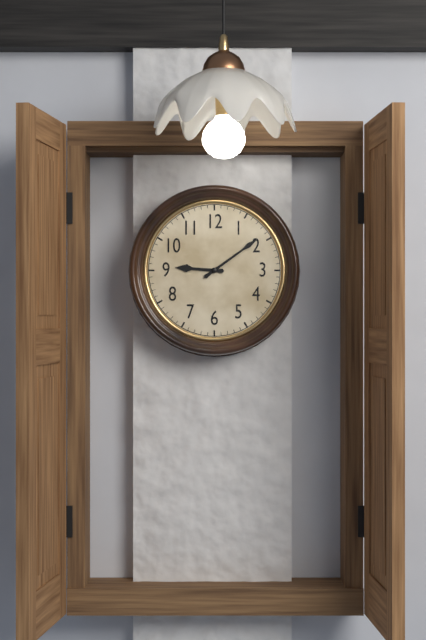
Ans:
h=9 m=9
